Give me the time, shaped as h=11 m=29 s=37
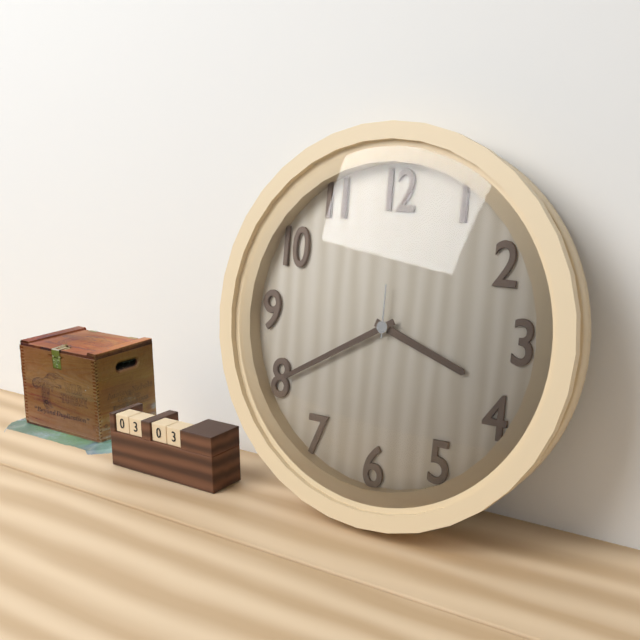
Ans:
h=3 m=40 s=0
